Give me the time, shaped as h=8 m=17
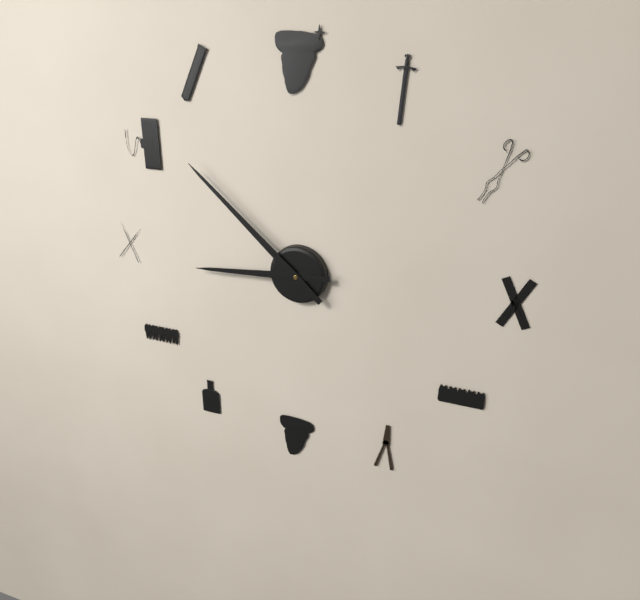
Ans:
h=8 m=52
